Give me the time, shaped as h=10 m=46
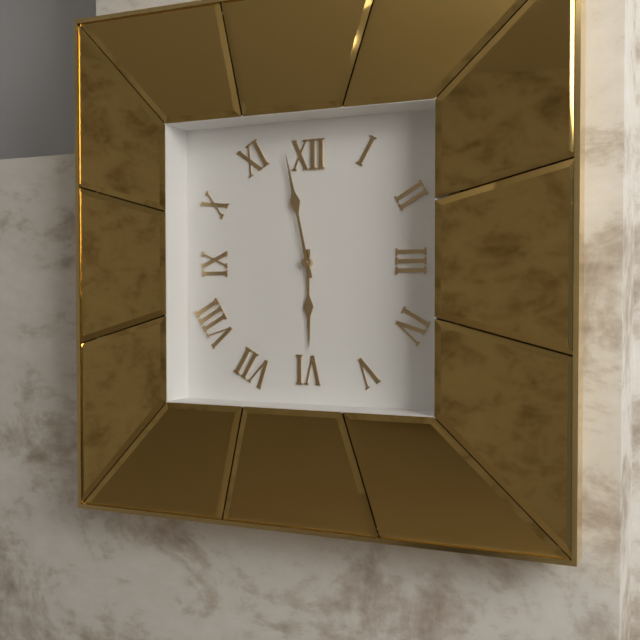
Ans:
h=5 m=58
